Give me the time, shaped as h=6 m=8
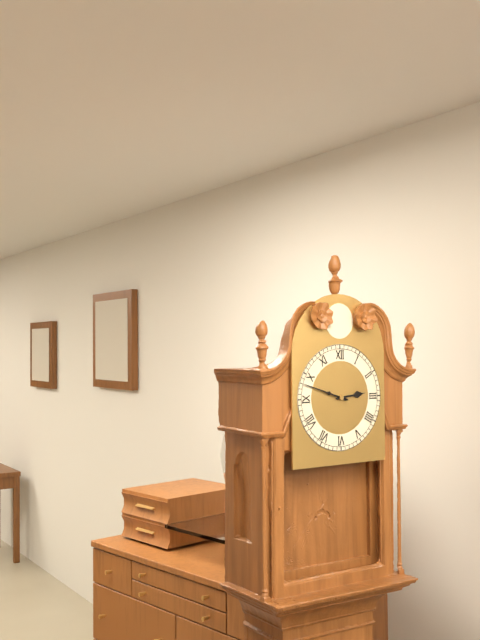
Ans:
h=2 m=48
